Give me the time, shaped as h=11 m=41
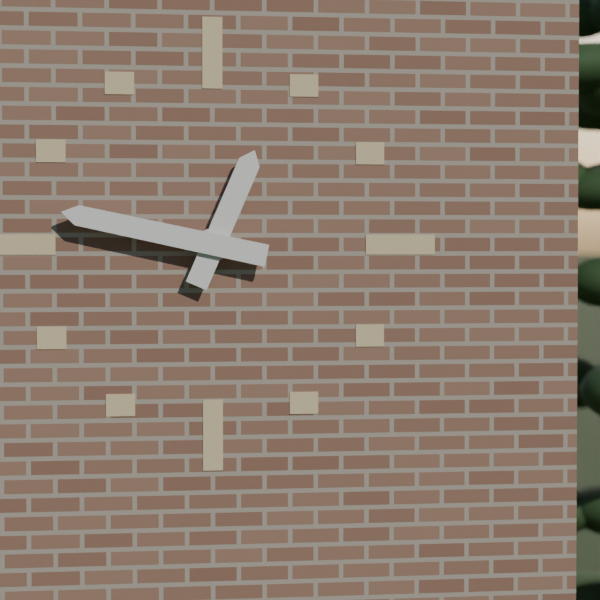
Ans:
h=12 m=47
